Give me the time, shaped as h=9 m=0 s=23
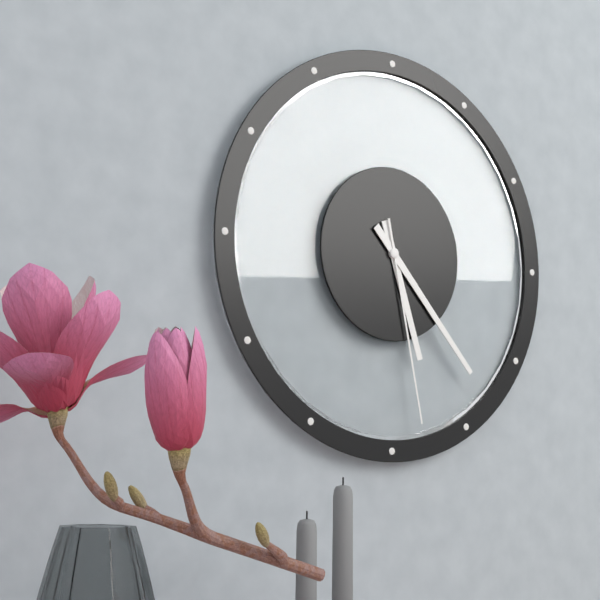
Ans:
h=5 m=23 s=28
